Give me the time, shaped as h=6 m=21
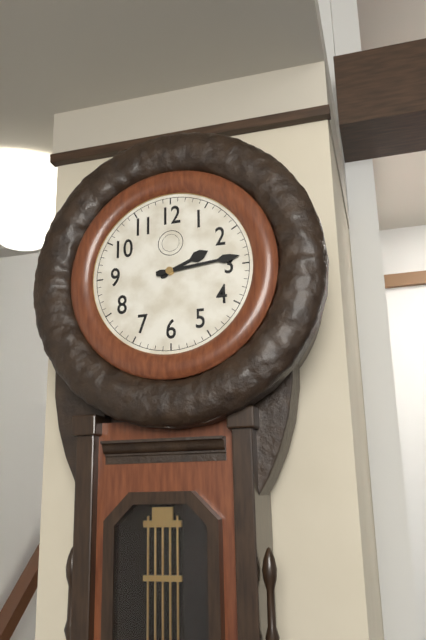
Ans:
h=2 m=14
